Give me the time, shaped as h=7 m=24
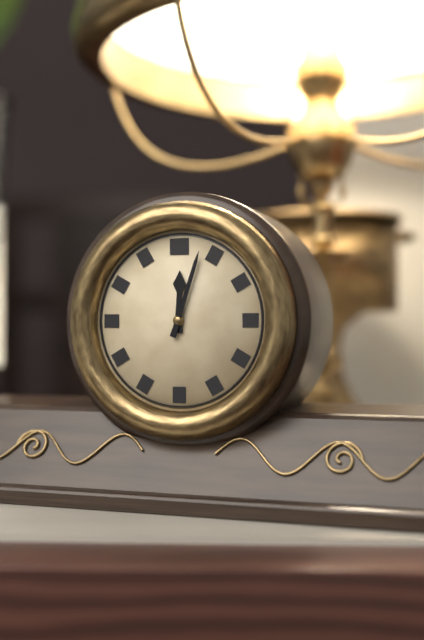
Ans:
h=12 m=3
